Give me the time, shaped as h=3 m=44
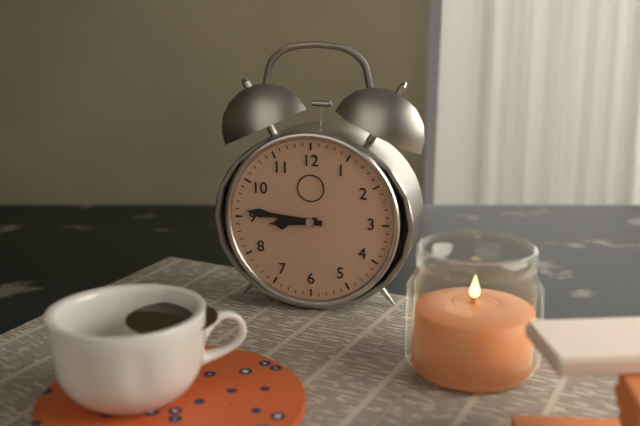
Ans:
h=8 m=46
